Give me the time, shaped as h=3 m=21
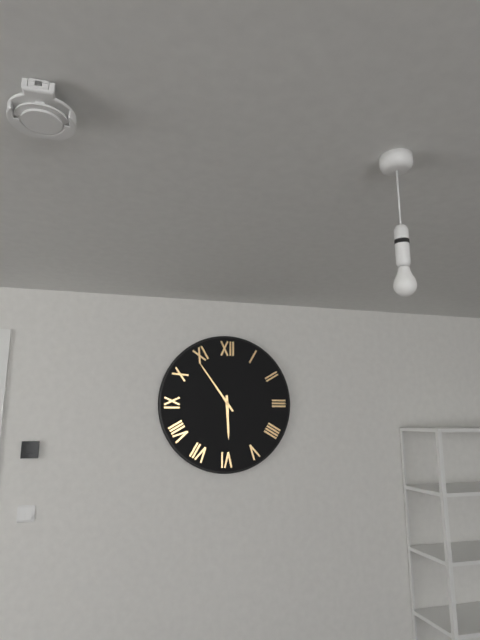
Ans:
h=5 m=54
